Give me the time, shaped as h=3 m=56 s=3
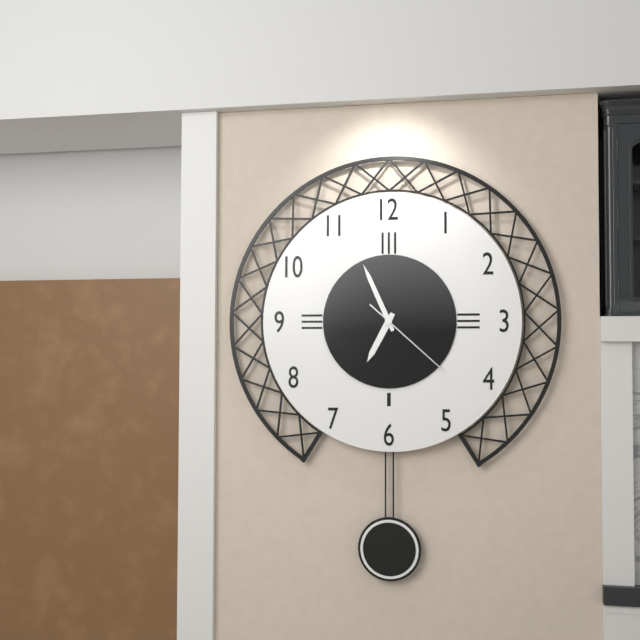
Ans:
h=6 m=56 s=22
